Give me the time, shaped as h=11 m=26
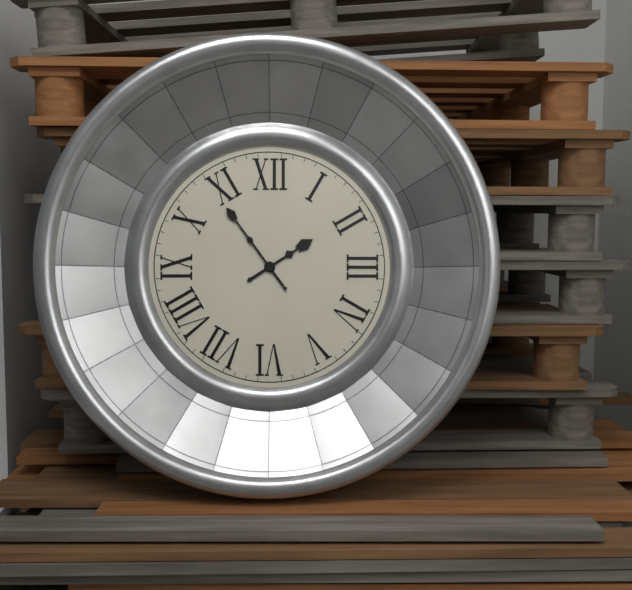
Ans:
h=1 m=54
